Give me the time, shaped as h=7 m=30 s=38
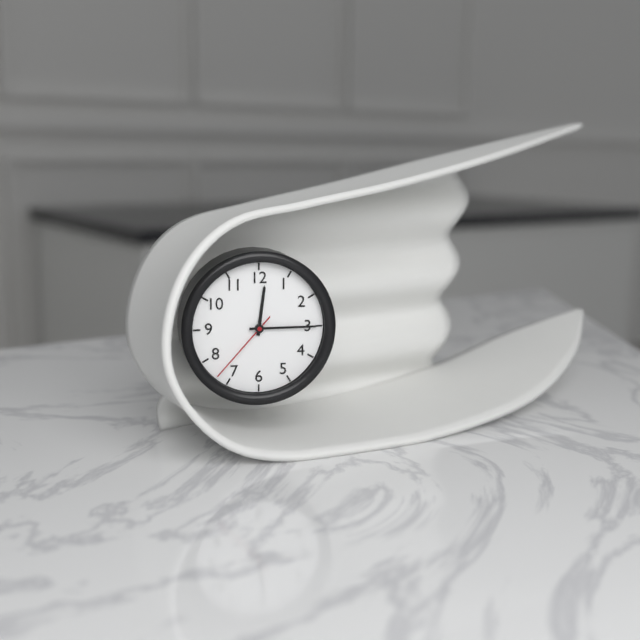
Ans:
h=12 m=15 s=37
